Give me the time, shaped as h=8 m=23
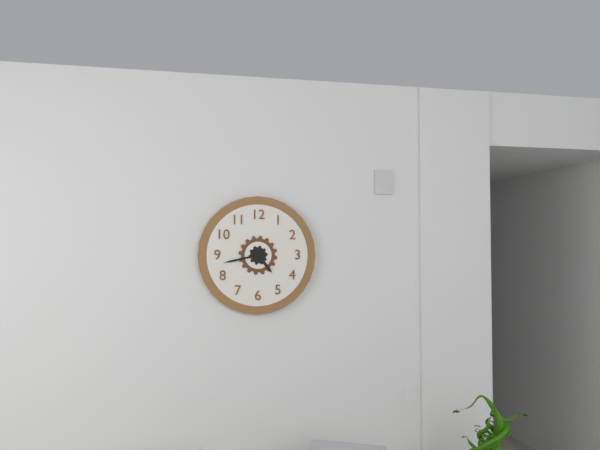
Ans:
h=4 m=43
